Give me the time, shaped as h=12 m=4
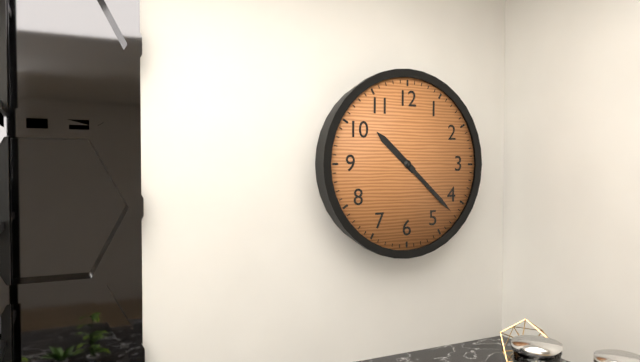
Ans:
h=10 m=22
